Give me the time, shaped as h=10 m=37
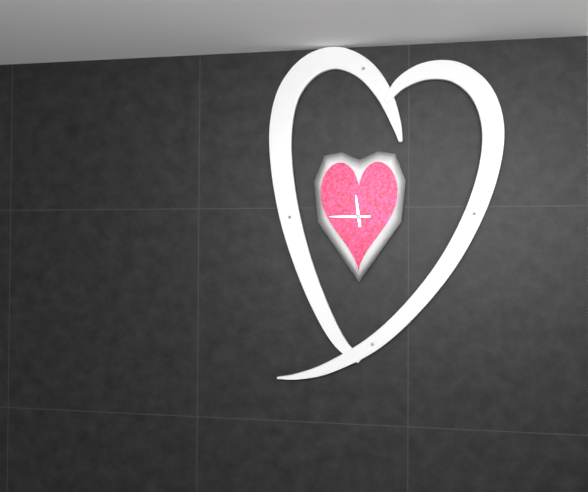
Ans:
h=11 m=45
